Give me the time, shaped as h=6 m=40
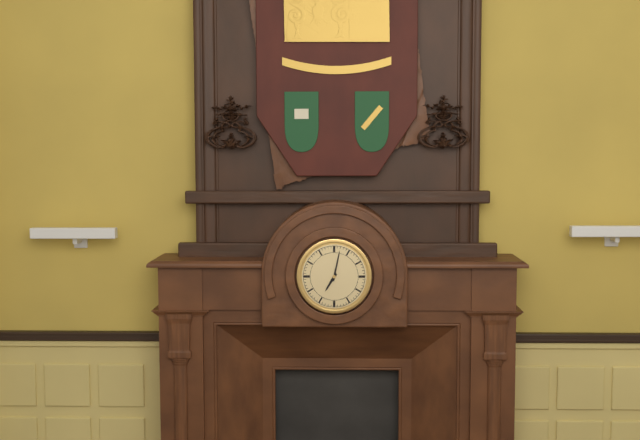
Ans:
h=7 m=2
